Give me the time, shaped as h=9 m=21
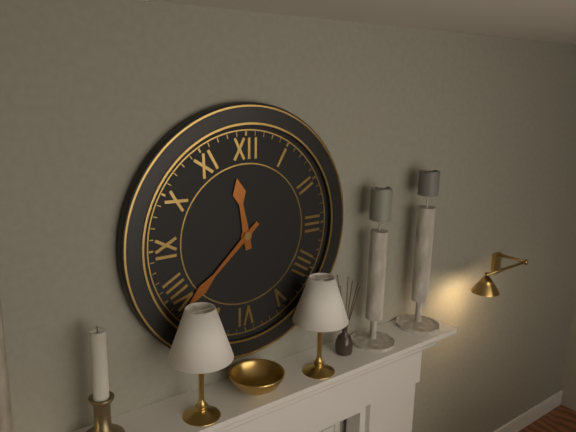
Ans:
h=11 m=38
